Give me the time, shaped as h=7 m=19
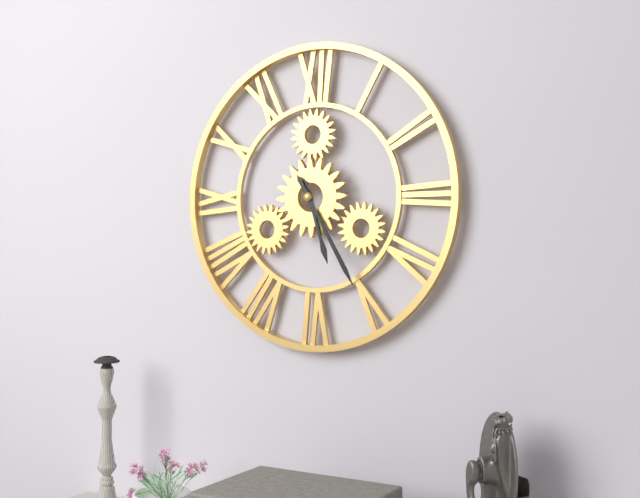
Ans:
h=5 m=25
